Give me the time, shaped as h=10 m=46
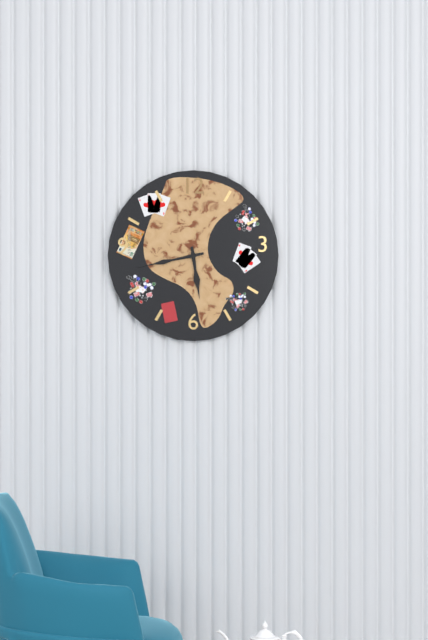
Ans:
h=5 m=43
